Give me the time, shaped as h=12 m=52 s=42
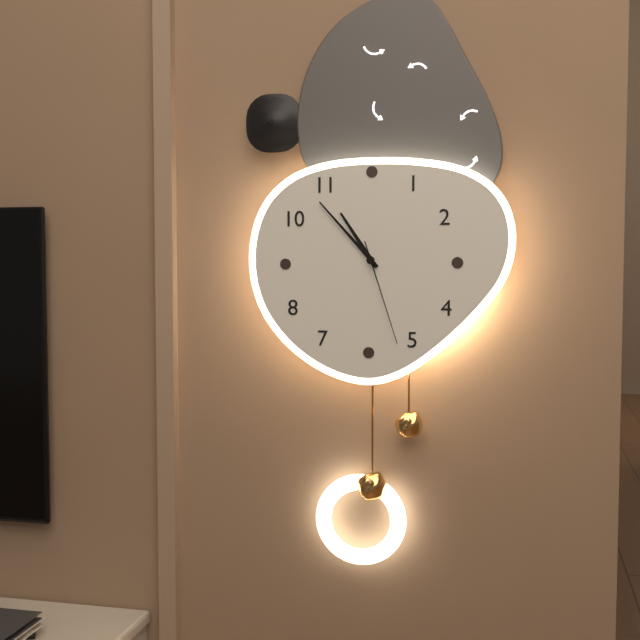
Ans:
h=10 m=53 s=27
